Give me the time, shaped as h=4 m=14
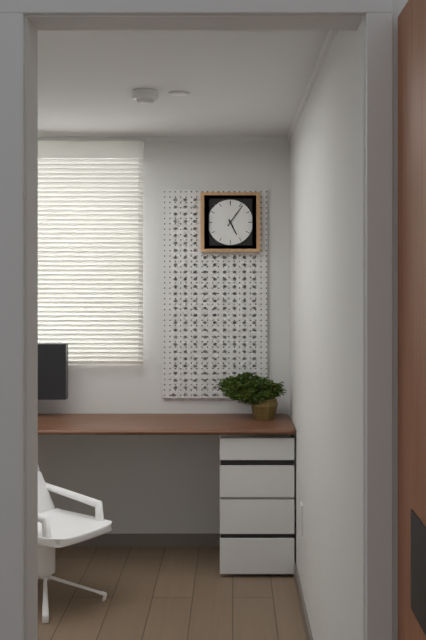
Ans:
h=5 m=6
